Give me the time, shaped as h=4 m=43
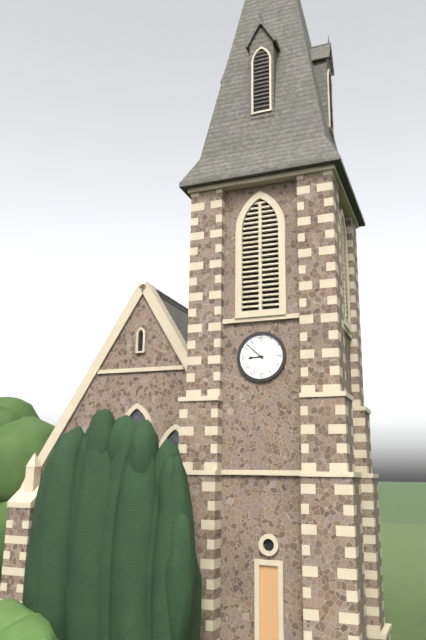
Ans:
h=8 m=52
